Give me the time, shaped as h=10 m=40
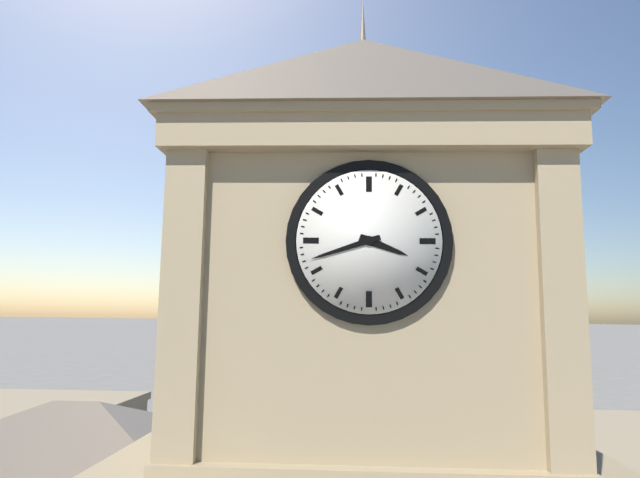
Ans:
h=3 m=42
